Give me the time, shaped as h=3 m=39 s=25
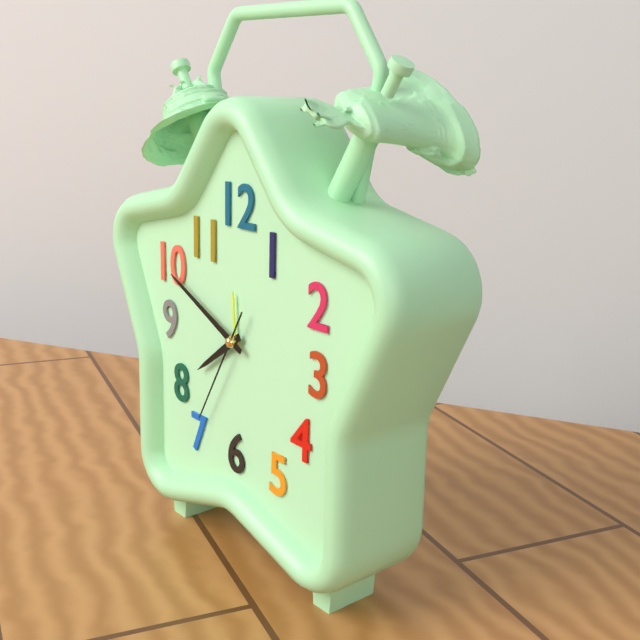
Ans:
h=7 m=49 s=35
